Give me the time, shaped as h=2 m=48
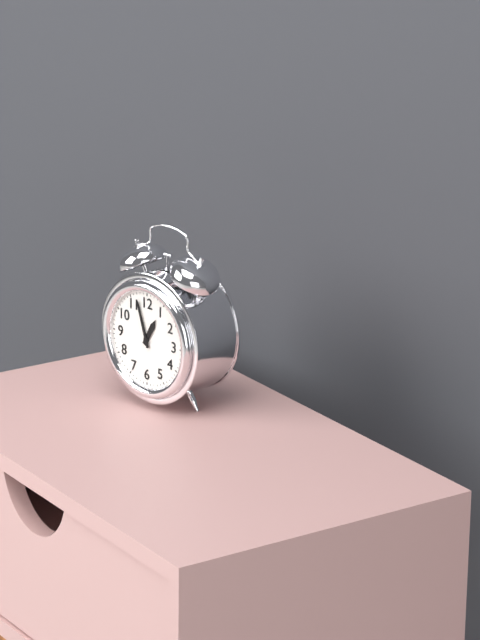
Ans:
h=12 m=57
